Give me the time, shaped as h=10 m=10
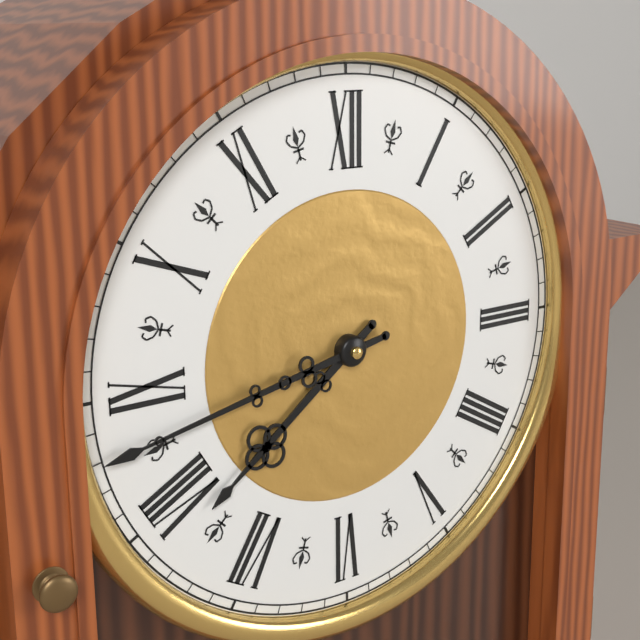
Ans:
h=7 m=43
